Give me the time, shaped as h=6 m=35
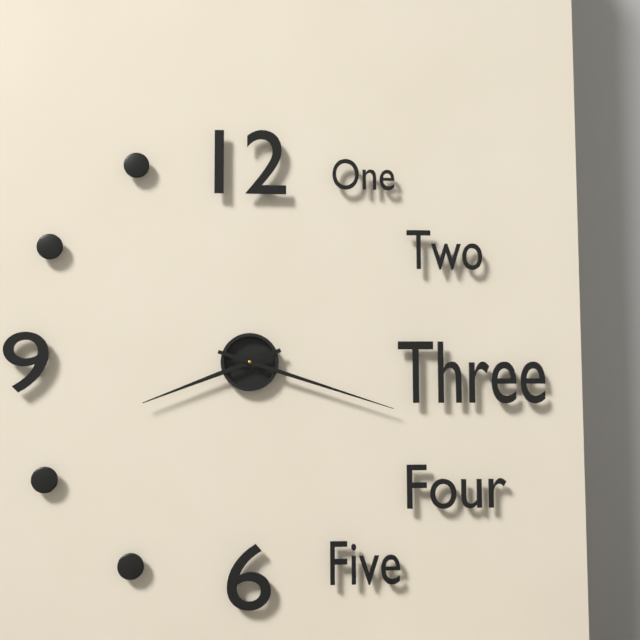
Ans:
h=8 m=18
